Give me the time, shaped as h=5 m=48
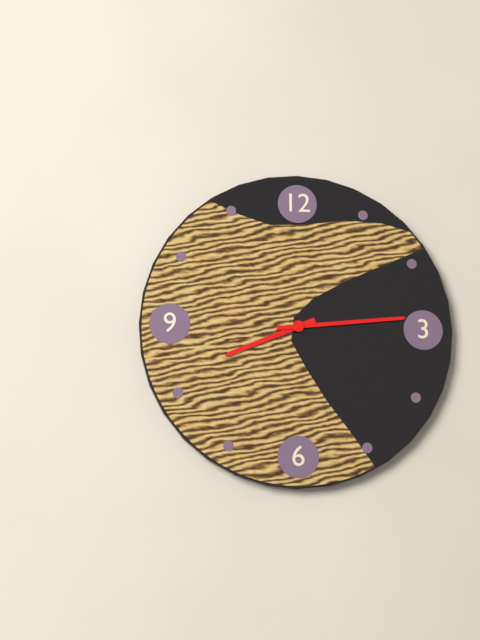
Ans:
h=8 m=14
